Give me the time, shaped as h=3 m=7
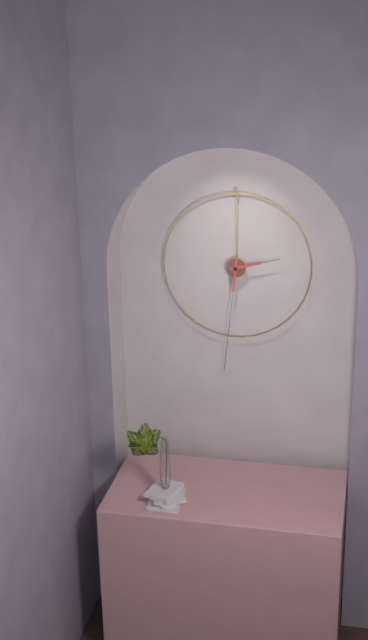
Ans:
h=2 m=31
